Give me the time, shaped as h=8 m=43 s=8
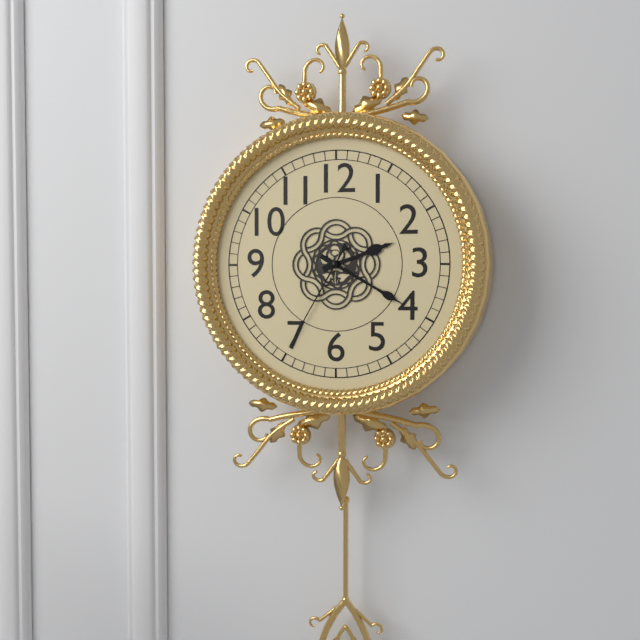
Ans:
h=2 m=20 s=35
